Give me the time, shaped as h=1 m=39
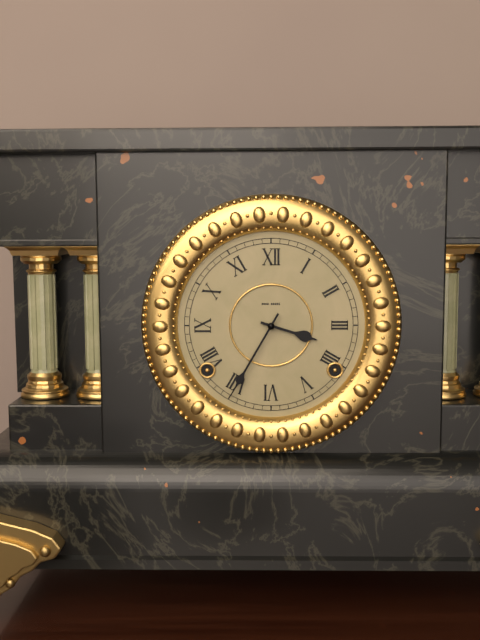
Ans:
h=3 m=35
